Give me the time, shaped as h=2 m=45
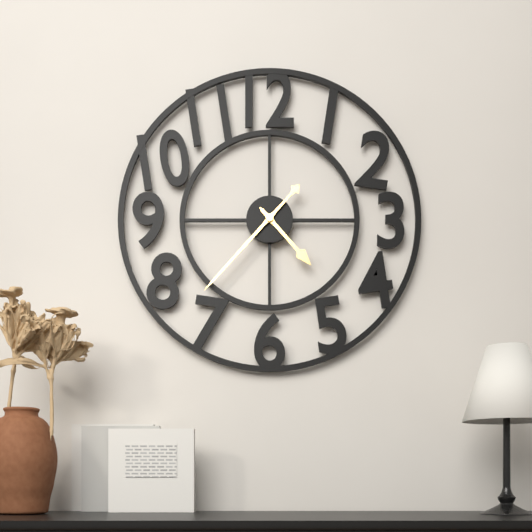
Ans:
h=4 m=37
